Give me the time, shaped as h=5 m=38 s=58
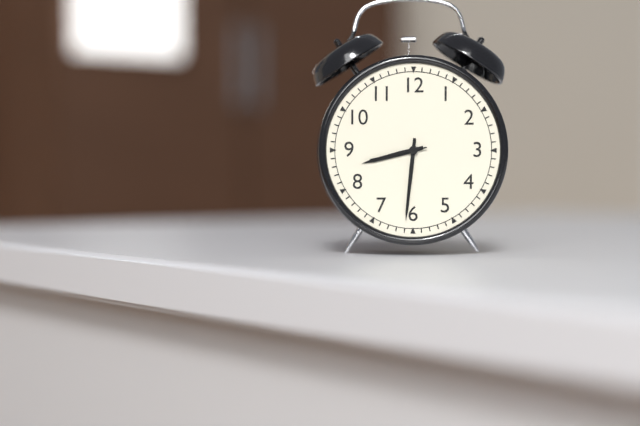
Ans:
h=8 m=31 s=43
